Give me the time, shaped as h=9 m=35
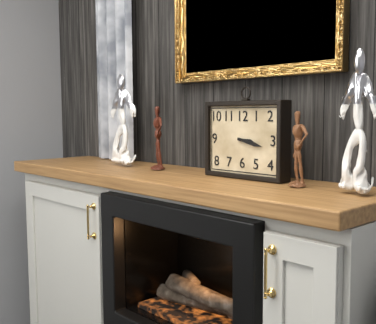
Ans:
h=3 m=17
